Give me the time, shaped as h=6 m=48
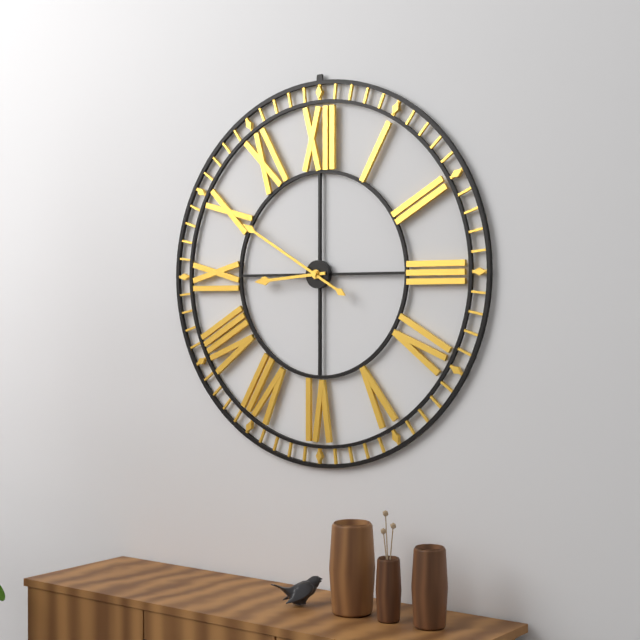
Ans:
h=8 m=50
